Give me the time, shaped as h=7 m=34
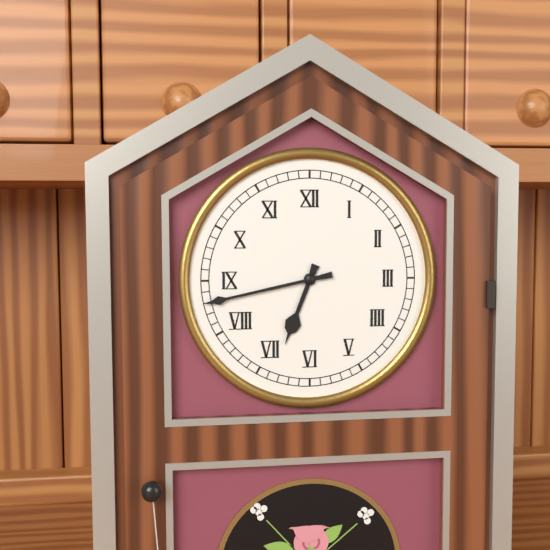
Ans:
h=6 m=43
